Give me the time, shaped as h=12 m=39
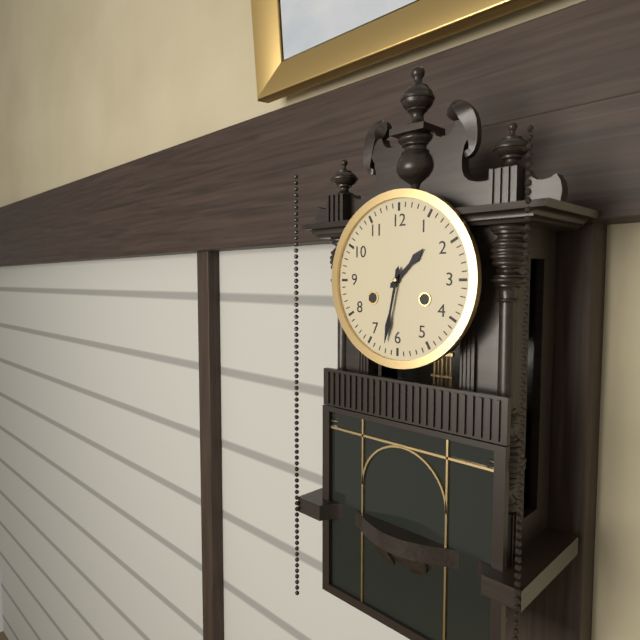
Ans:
h=1 m=32
